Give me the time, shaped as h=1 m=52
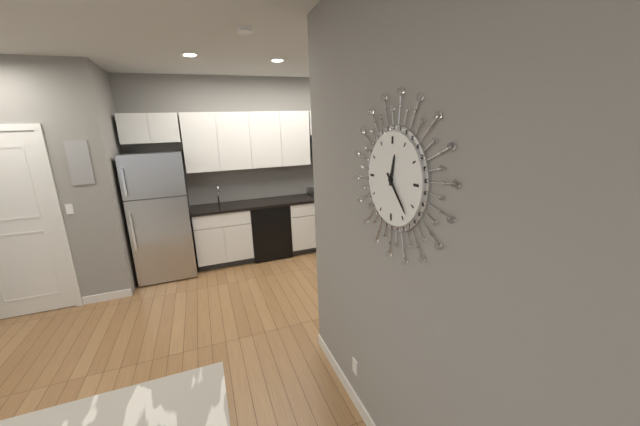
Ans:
h=12 m=23
